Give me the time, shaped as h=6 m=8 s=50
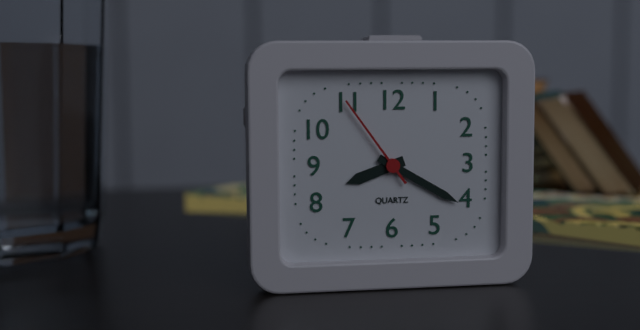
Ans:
h=8 m=20 s=54
